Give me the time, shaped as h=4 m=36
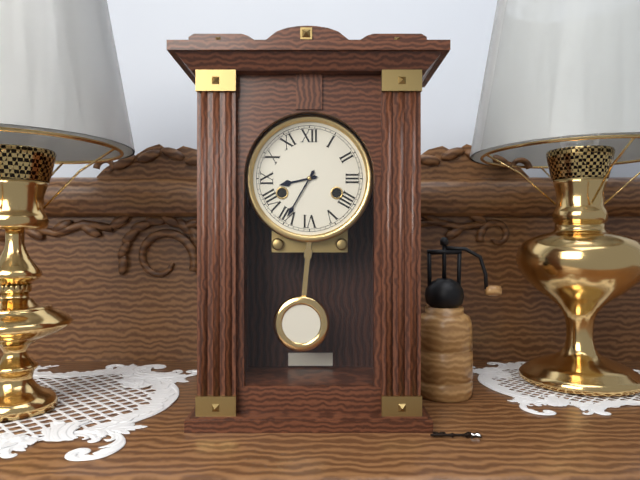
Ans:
h=8 m=35
